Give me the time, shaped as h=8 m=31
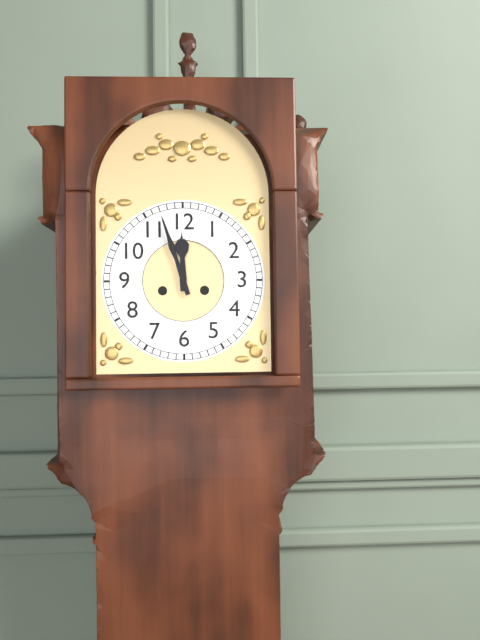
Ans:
h=11 m=57
